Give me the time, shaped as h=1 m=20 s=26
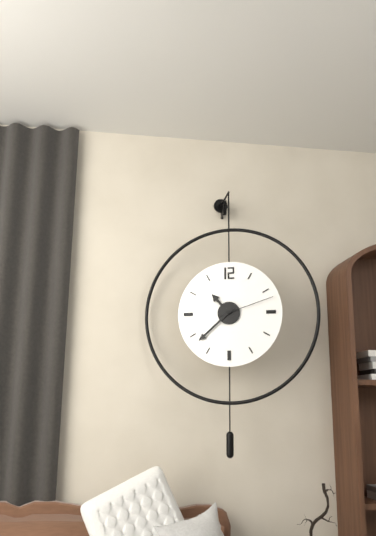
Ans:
h=10 m=38 s=12
